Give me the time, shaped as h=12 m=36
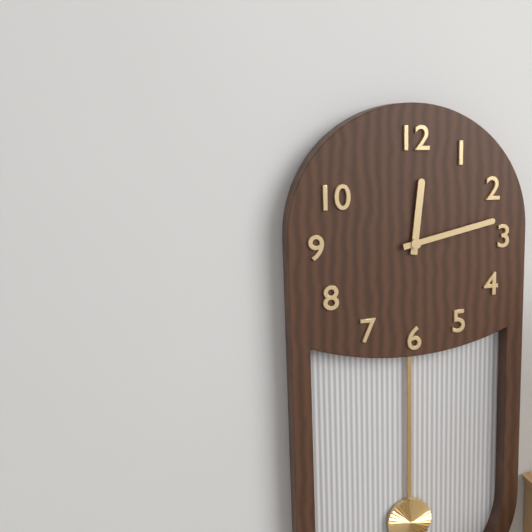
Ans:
h=12 m=13
